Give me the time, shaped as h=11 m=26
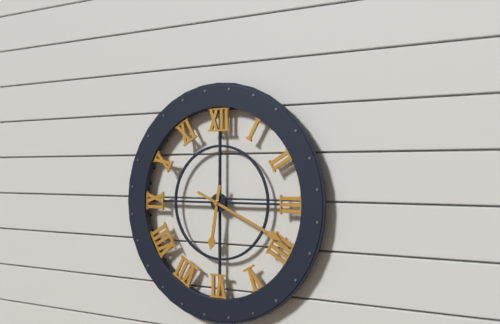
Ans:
h=6 m=19
